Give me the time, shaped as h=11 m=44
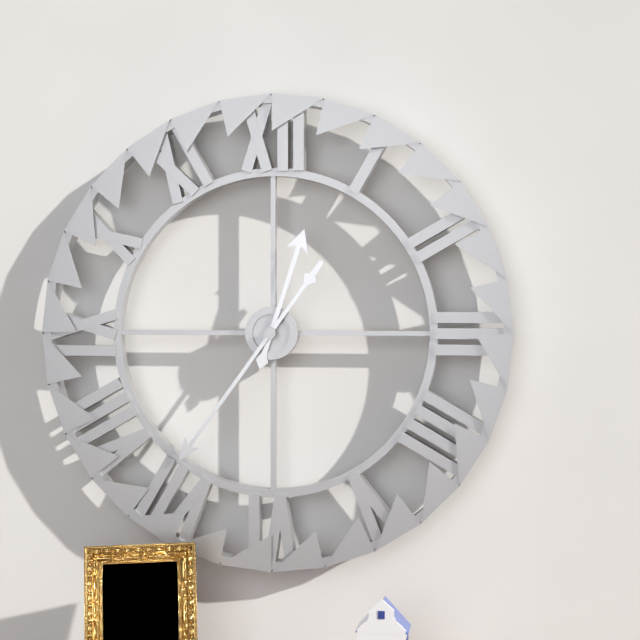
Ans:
h=12 m=36
